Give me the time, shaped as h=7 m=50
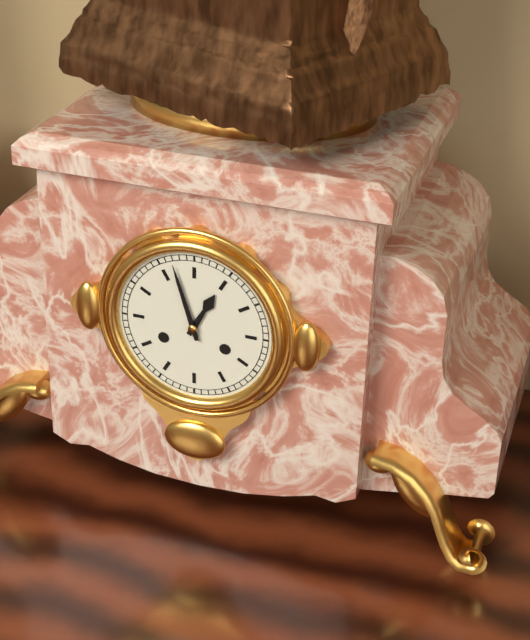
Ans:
h=12 m=57
